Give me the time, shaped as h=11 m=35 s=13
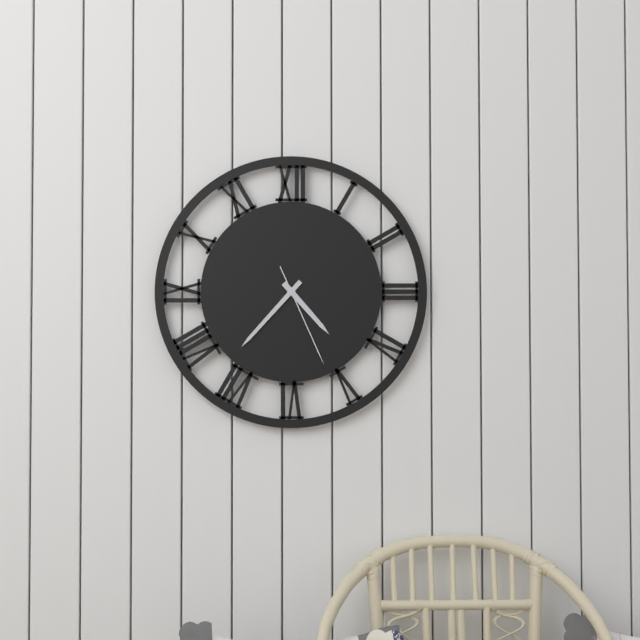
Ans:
h=4 m=37 s=26
